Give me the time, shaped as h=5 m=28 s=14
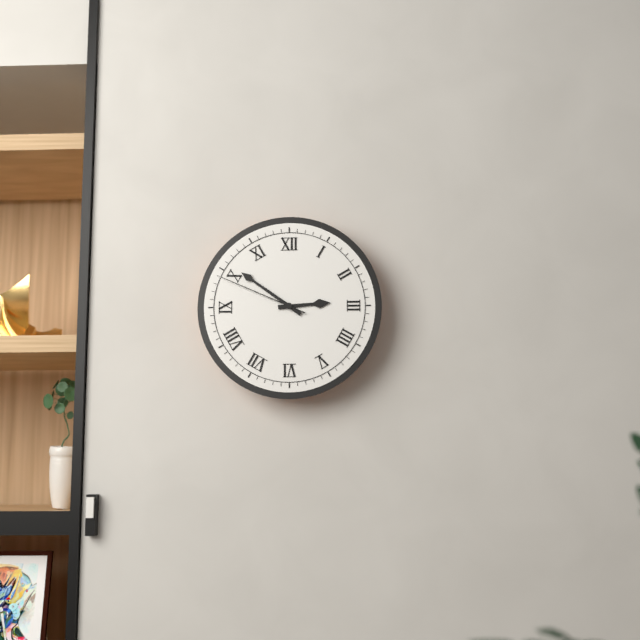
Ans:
h=2 m=51 s=49
